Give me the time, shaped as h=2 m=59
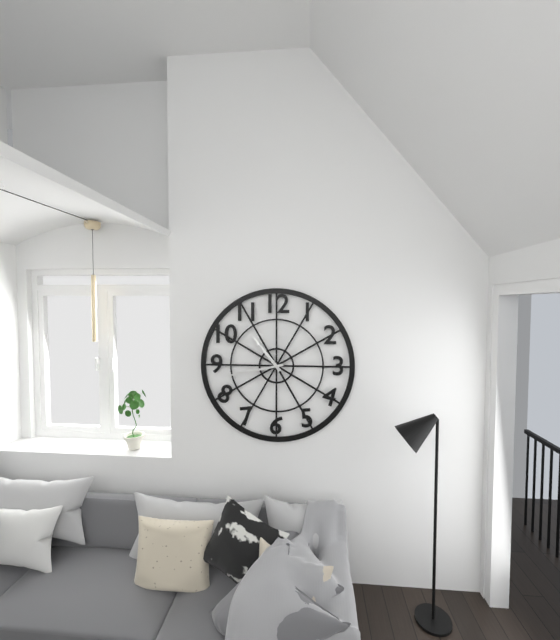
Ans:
h=10 m=43
